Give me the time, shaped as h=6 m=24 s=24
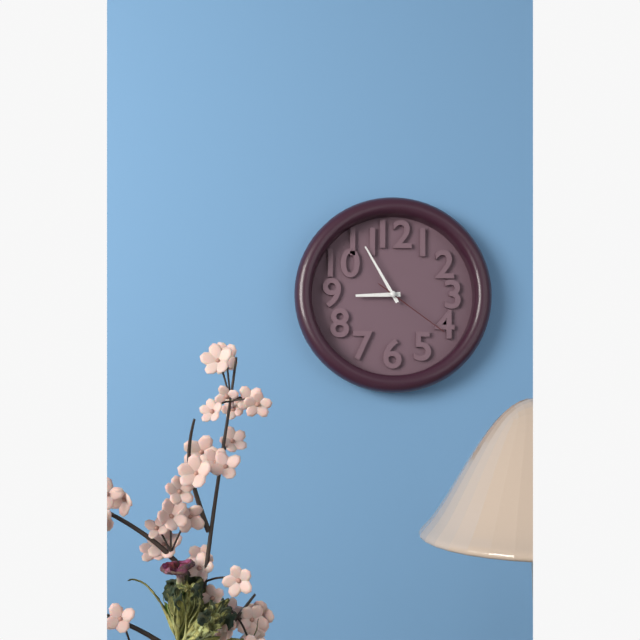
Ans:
h=8 m=55 s=21
